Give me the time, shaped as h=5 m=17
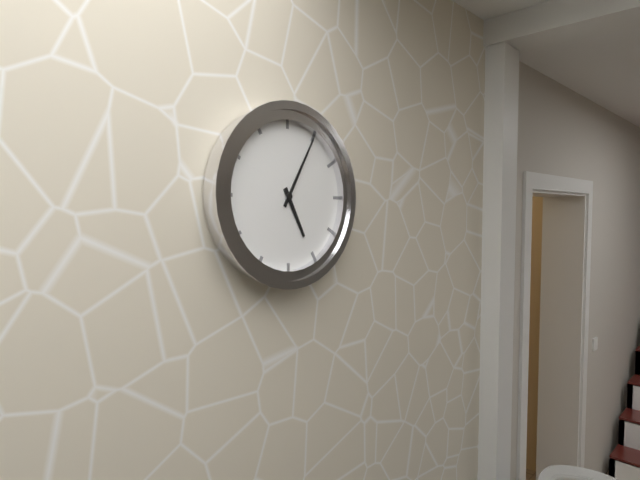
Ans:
h=5 m=5
